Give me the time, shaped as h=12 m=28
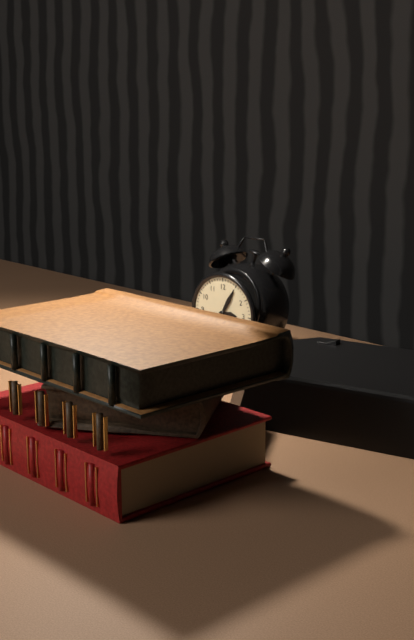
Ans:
h=3 m=5
